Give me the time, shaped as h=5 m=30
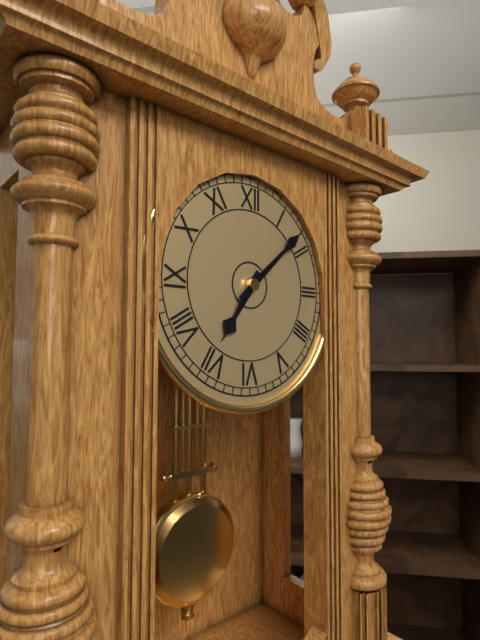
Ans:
h=7 m=8
